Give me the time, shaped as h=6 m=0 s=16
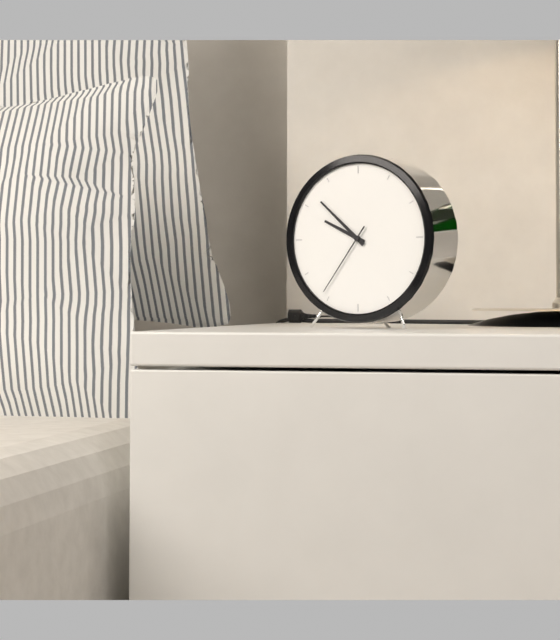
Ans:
h=9 m=52 s=36
